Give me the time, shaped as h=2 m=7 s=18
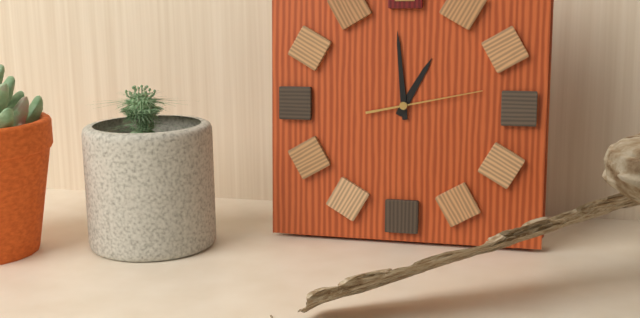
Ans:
h=12 m=59 s=13
